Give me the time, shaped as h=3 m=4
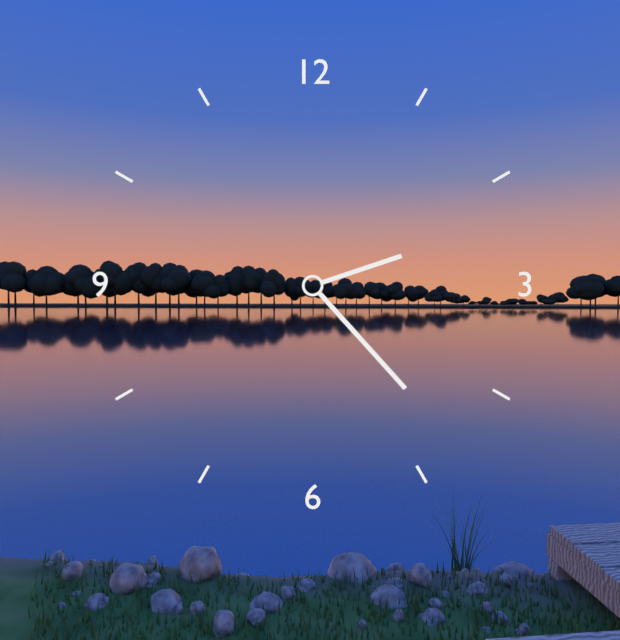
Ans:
h=2 m=23
